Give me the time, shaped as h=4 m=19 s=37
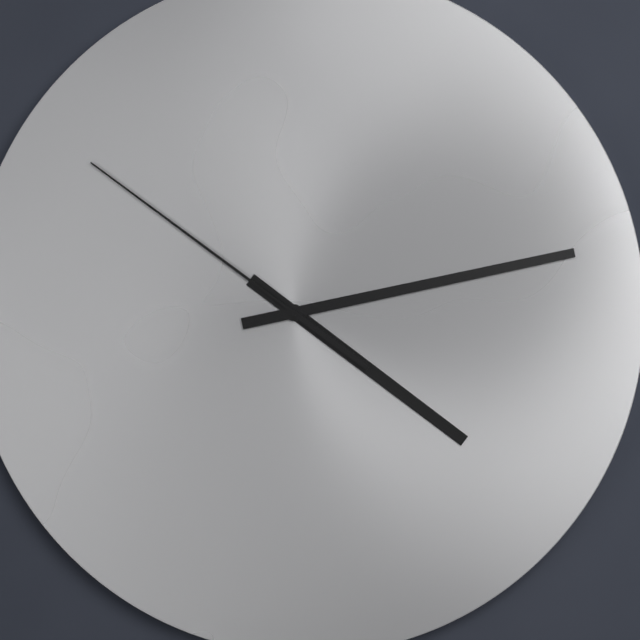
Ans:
h=4 m=13 s=51
